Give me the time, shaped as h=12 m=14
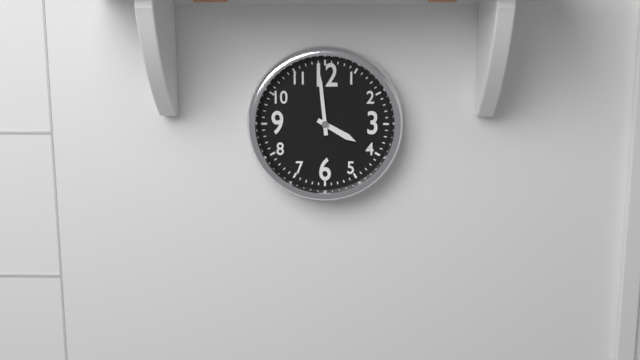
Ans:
h=3 m=59
